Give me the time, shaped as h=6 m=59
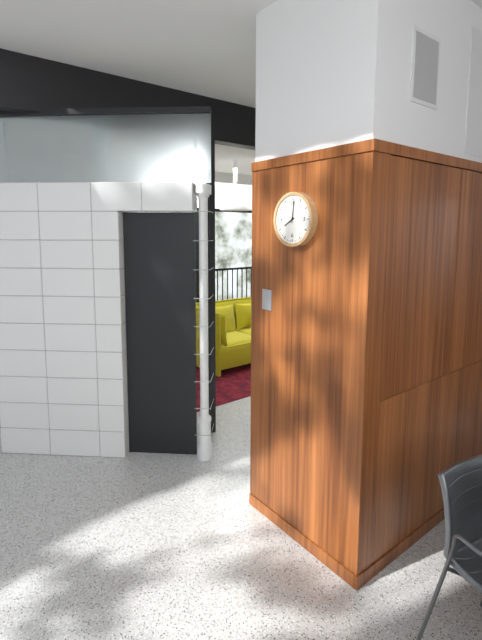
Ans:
h=8 m=1
